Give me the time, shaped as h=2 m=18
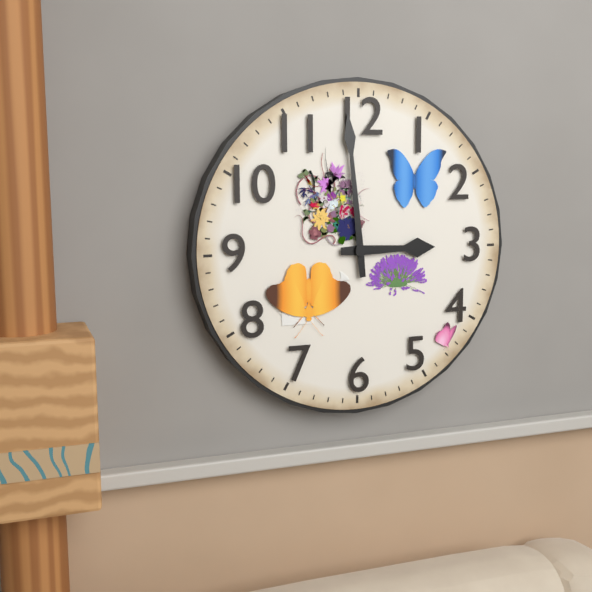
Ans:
h=2 m=59
